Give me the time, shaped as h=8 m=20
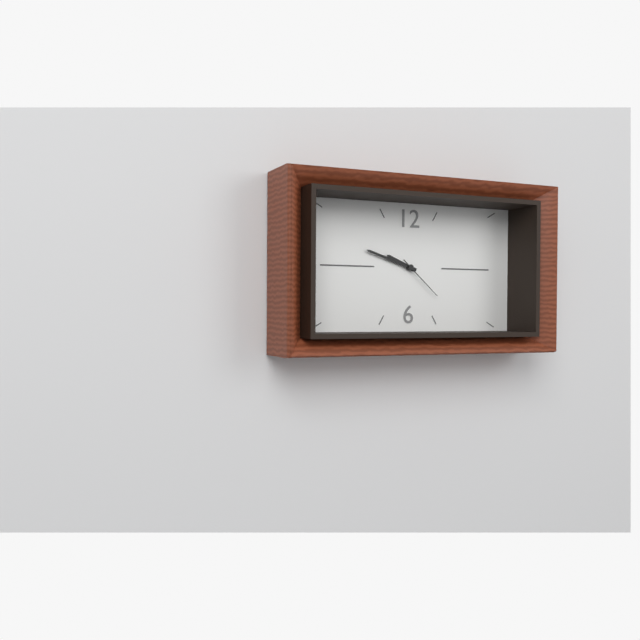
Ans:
h=9 m=48
